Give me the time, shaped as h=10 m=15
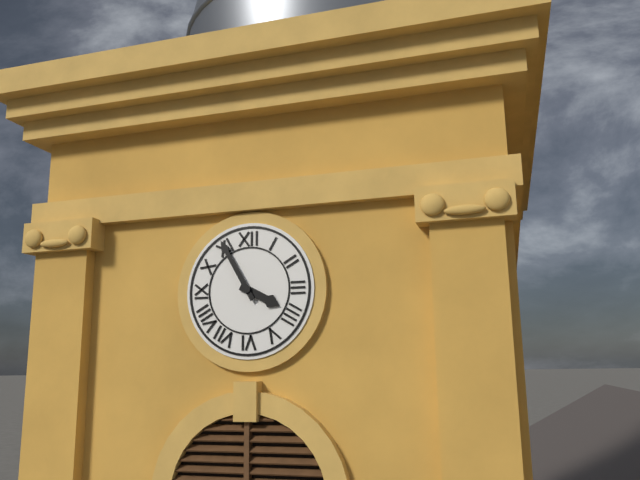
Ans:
h=3 m=55
